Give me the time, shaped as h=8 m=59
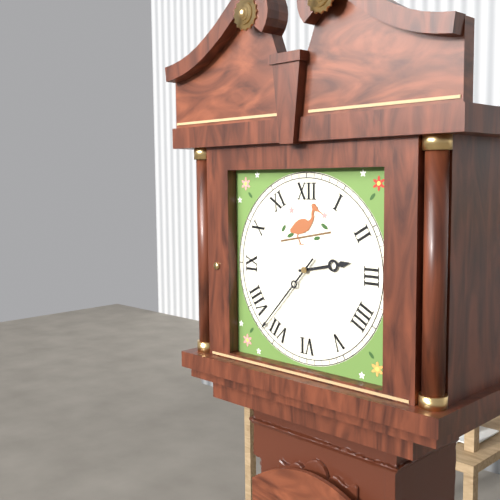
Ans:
h=2 m=37
